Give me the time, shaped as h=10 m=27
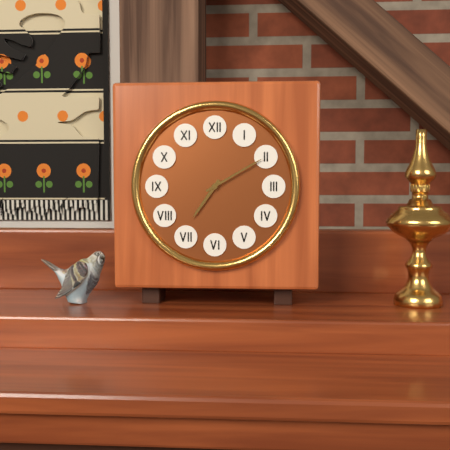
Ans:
h=7 m=10
